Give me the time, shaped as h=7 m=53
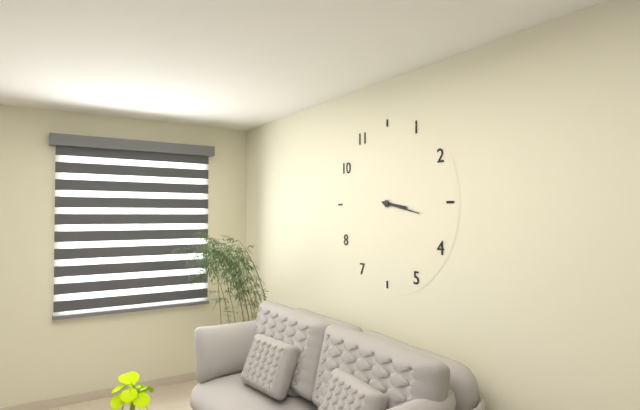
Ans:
h=3 m=17
